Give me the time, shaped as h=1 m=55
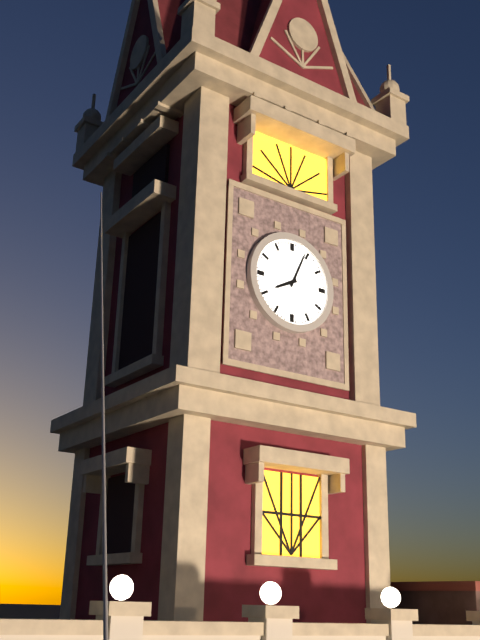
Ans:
h=8 m=4
